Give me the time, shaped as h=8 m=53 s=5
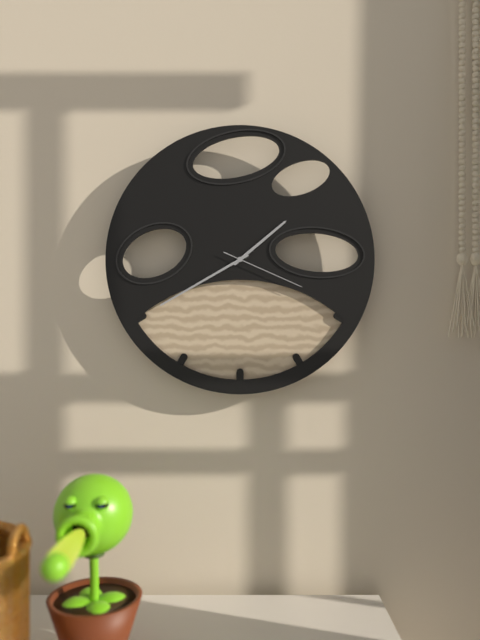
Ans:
h=1 m=40 s=19
